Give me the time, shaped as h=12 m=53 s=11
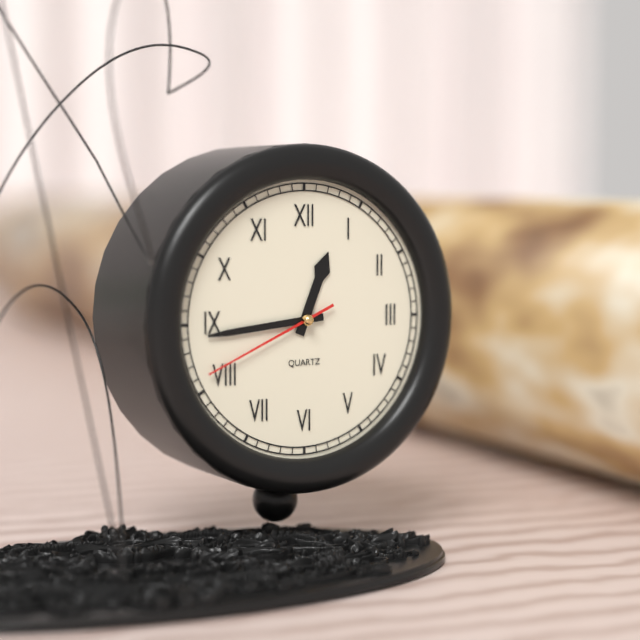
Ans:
h=12 m=44 s=41
